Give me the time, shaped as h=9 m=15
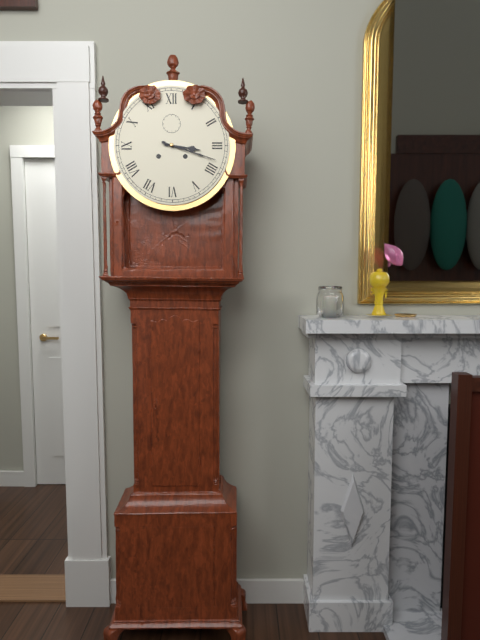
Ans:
h=3 m=18
